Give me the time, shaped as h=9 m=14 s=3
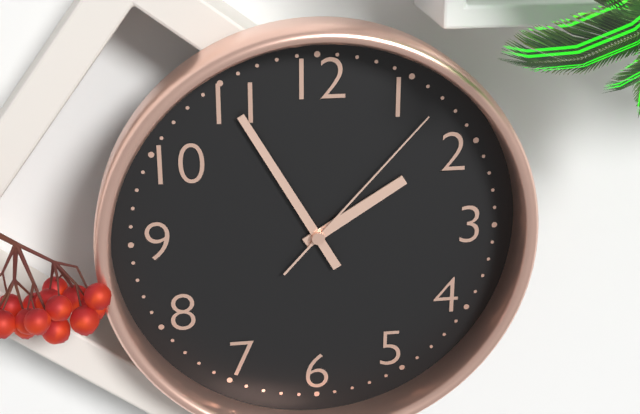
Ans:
h=1 m=55 s=7
